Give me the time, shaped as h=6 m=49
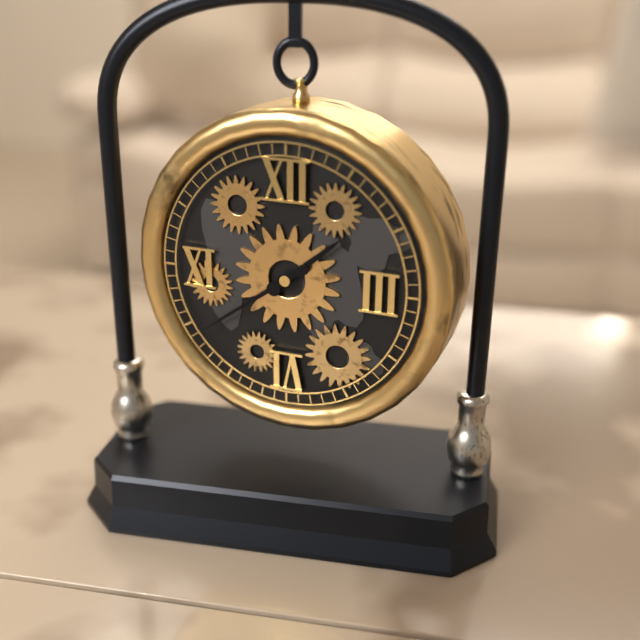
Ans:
h=1 m=39
